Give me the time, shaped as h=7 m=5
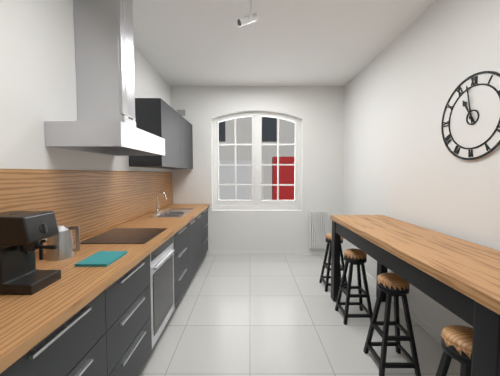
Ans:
h=10 m=58
